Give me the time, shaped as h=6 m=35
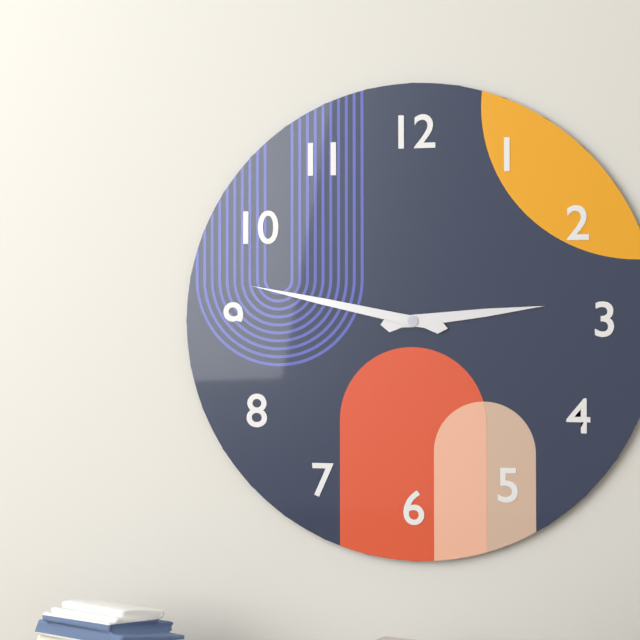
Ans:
h=2 m=47
